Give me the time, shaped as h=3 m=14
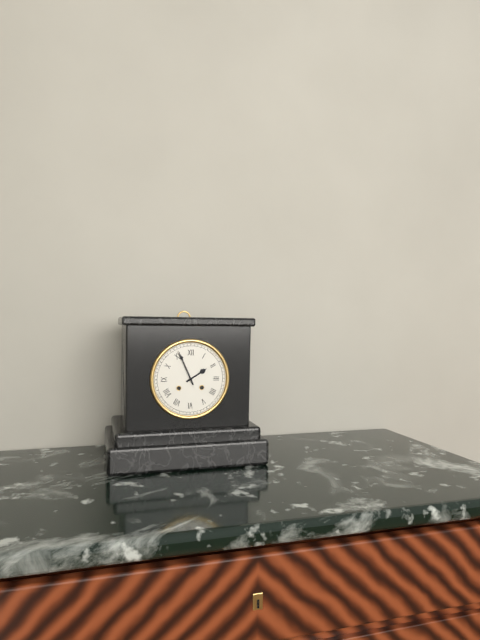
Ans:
h=1 m=56
